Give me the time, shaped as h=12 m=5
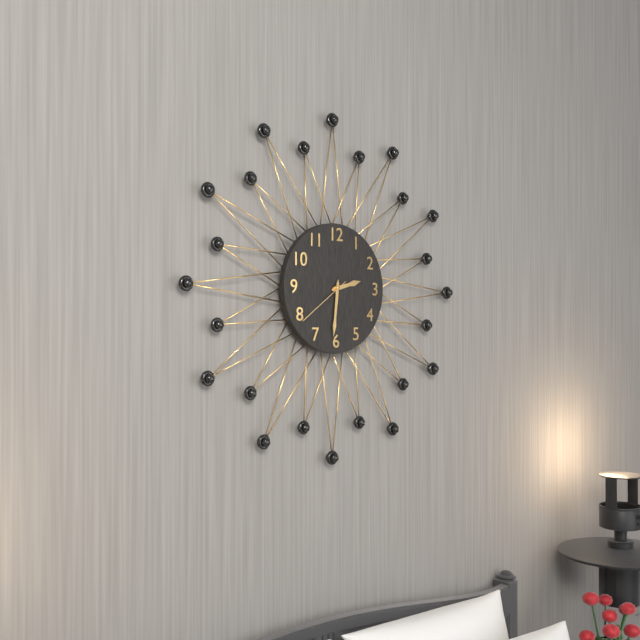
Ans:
h=2 m=31
